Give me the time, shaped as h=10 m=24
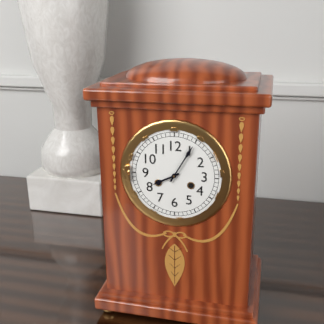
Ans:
h=8 m=5
